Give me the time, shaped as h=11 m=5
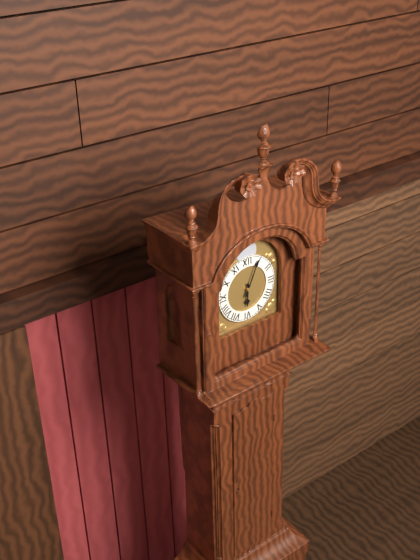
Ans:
h=6 m=4
